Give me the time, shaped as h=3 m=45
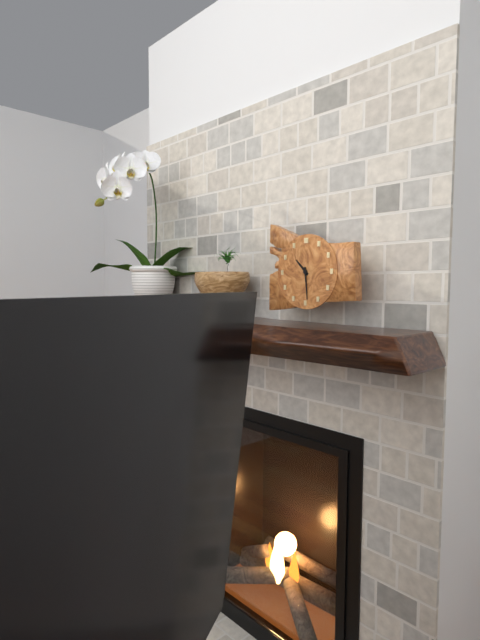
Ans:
h=10 m=29
